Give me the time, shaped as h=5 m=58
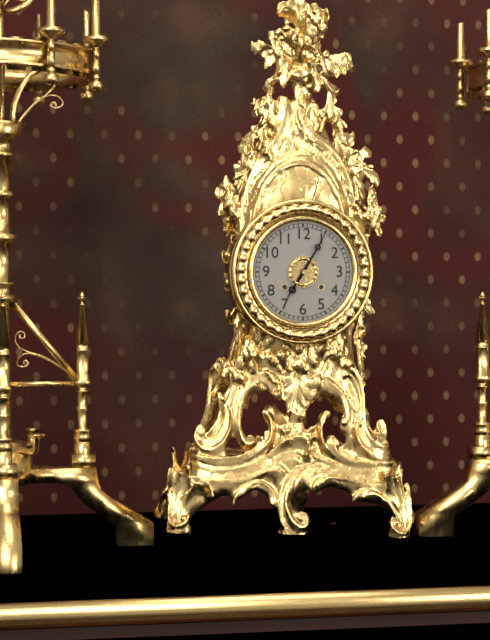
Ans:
h=7 m=5
